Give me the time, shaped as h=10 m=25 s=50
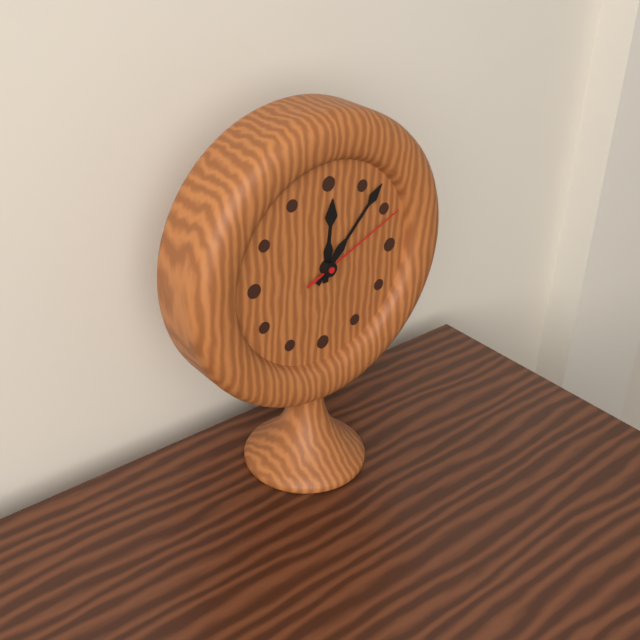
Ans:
h=12 m=7 s=11
